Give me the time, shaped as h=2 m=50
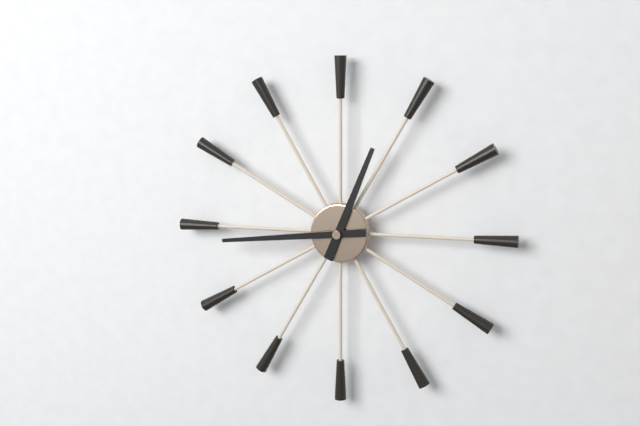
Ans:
h=12 m=44
